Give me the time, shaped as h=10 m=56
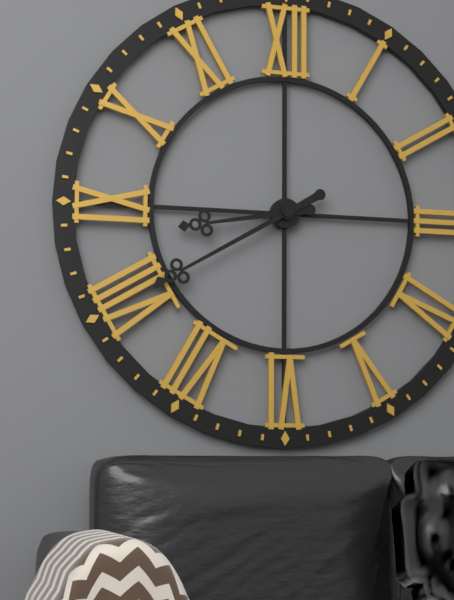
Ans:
h=8 m=40
